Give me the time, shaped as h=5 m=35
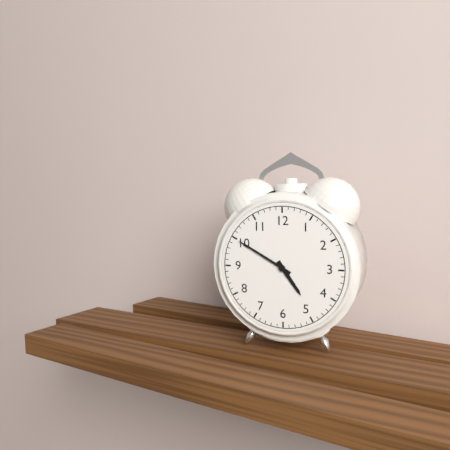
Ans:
h=4 m=50
